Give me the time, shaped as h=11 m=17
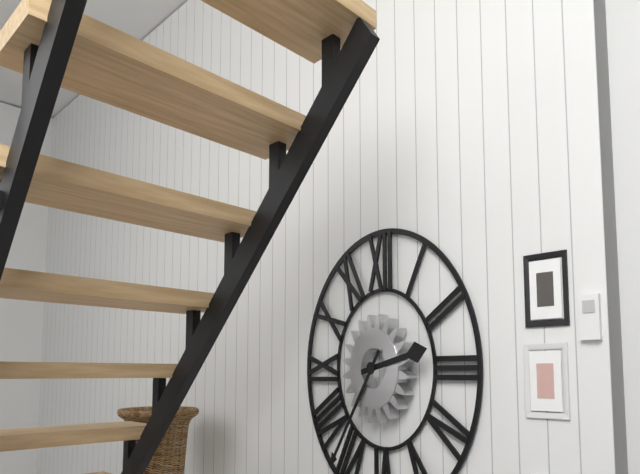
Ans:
h=2 m=36
